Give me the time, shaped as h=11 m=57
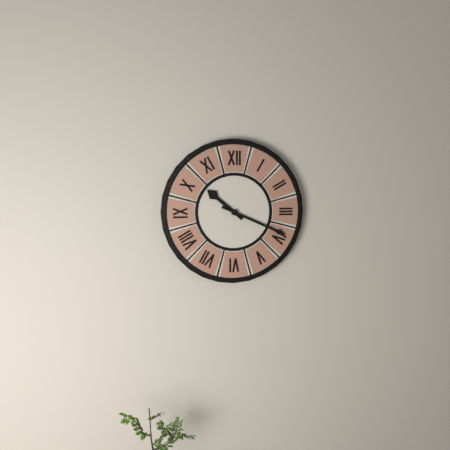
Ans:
h=10 m=19
